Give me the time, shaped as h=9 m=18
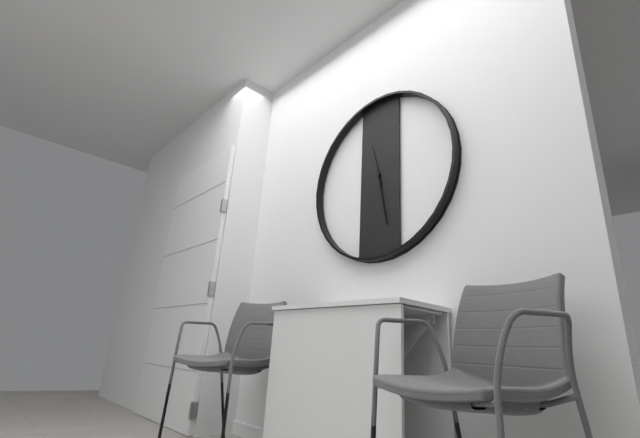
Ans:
h=11 m=28
